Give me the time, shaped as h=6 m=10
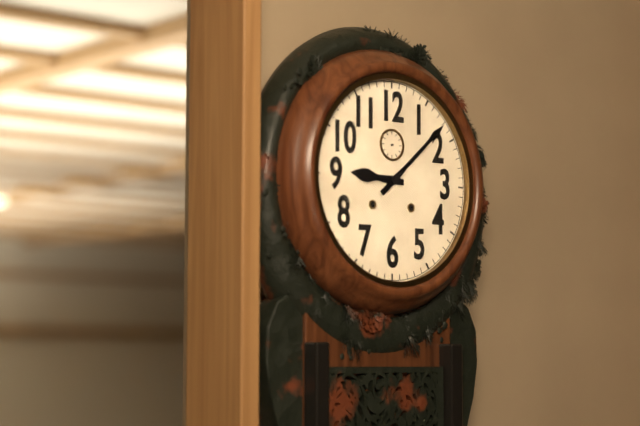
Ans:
h=9 m=8
